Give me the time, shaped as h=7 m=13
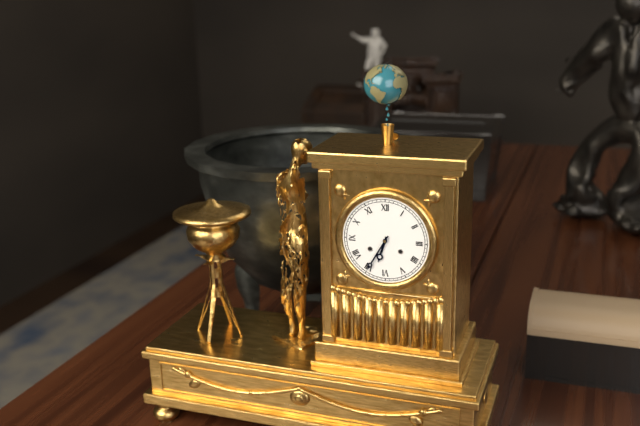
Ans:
h=6 m=35
